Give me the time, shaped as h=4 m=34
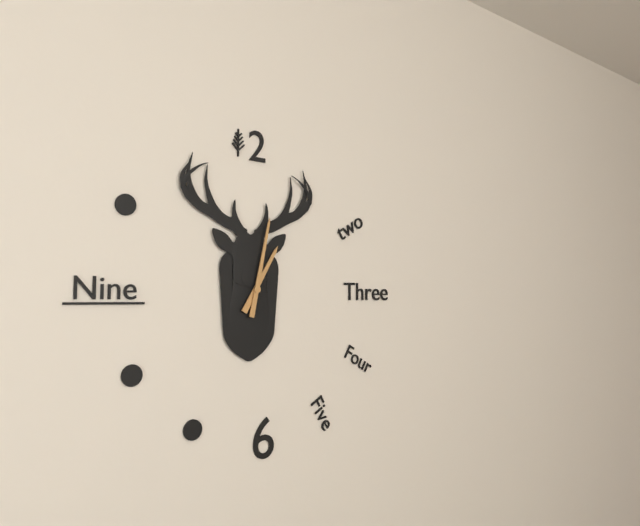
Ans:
h=1 m=2
